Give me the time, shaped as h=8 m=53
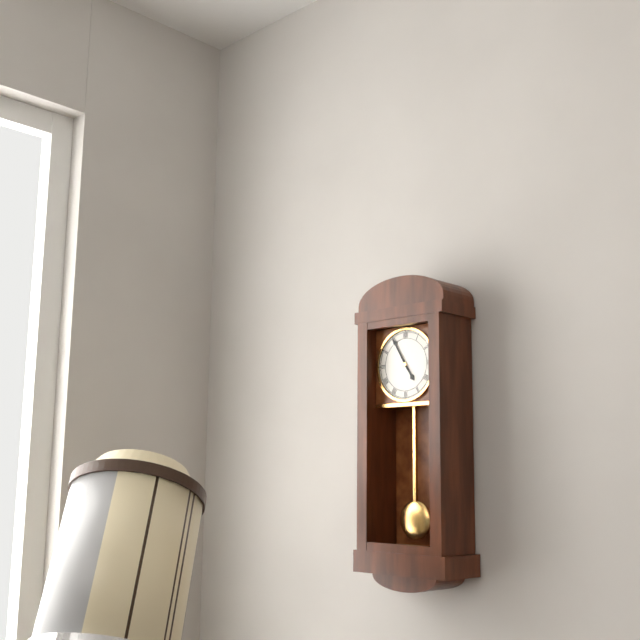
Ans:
h=4 m=55
